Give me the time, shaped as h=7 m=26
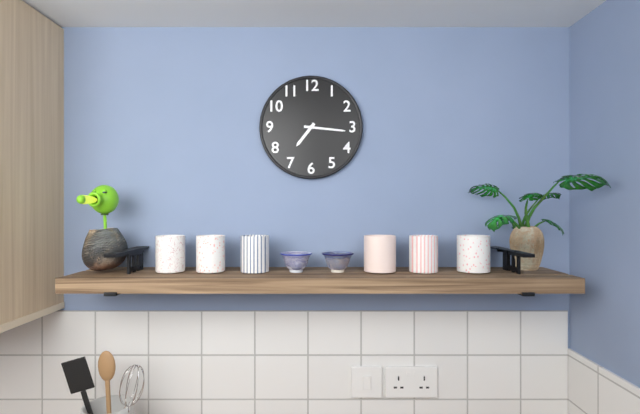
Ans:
h=7 m=16
